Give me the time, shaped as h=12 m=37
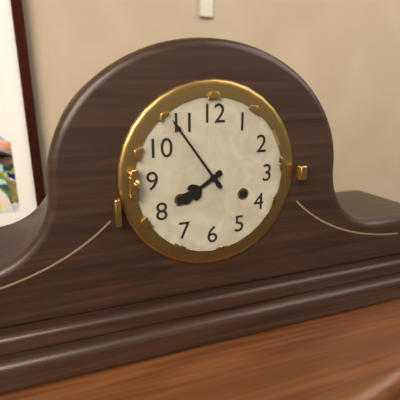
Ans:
h=7 m=54
